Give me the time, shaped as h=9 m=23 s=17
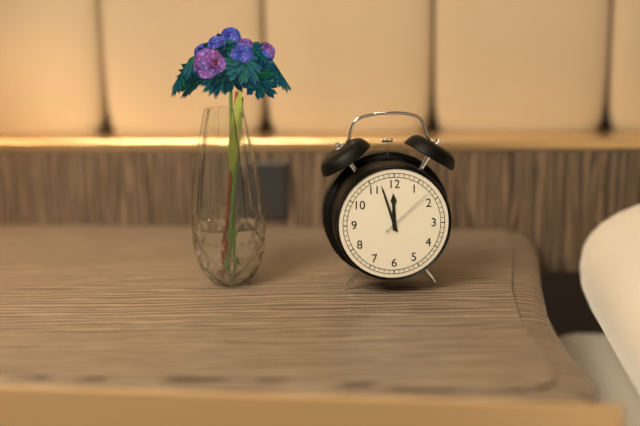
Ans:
h=11 m=57 s=8
